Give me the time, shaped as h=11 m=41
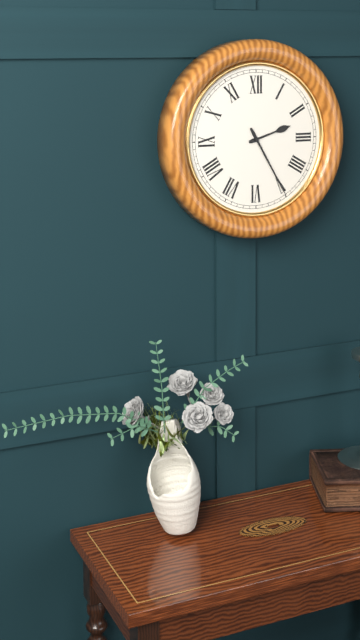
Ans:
h=2 m=25
